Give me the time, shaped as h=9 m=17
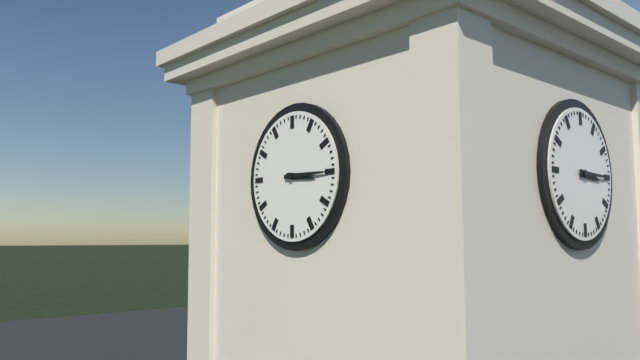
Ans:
h=3 m=15
